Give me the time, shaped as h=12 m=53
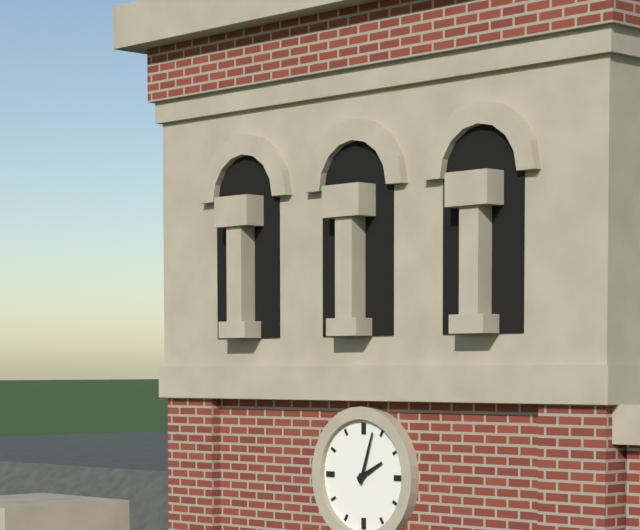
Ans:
h=2 m=3
